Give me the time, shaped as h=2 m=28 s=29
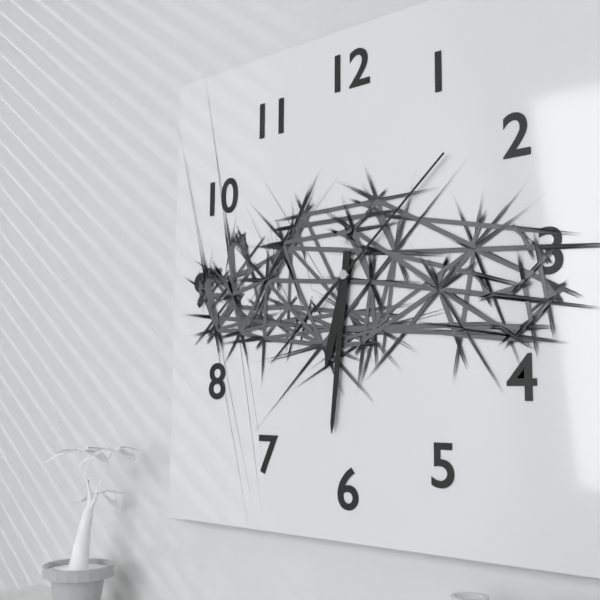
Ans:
h=6 m=31 s=8
